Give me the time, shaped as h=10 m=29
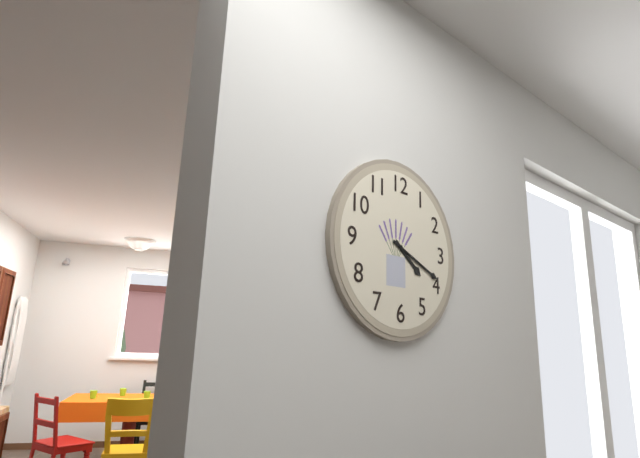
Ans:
h=4 m=19
